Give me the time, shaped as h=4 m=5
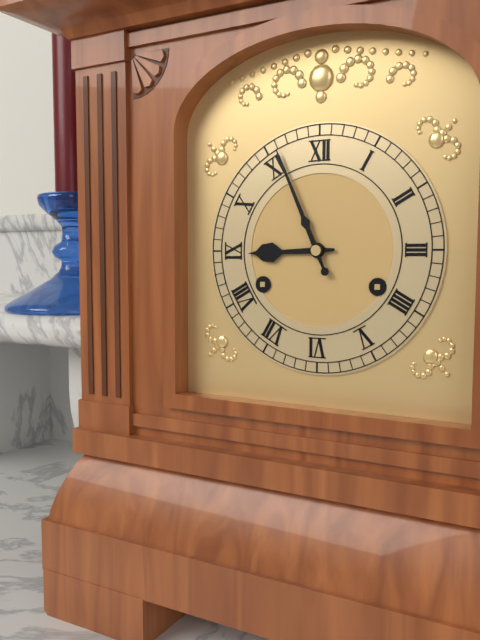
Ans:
h=8 m=56
